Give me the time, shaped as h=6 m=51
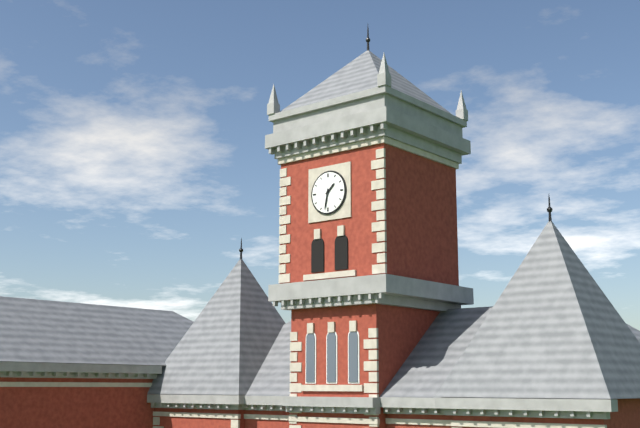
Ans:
h=1 m=32
